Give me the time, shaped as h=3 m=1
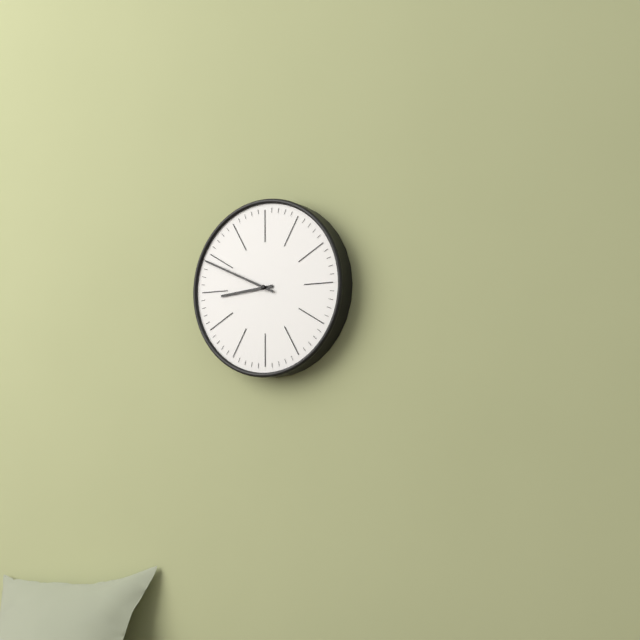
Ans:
h=8 m=49
